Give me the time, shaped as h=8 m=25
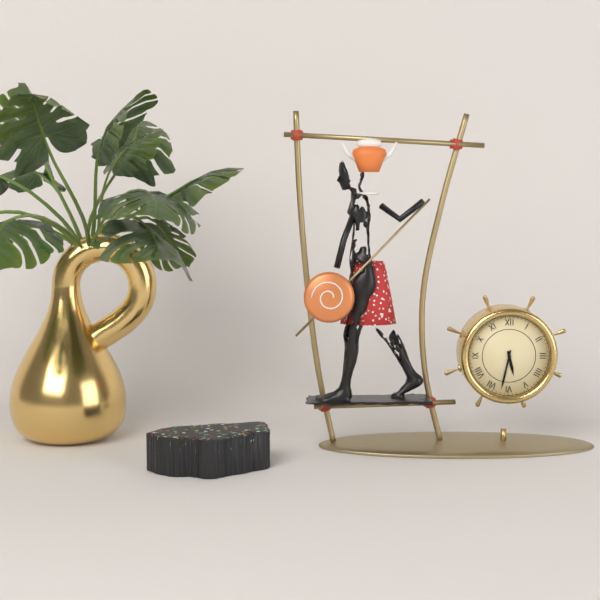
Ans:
h=5 m=32
